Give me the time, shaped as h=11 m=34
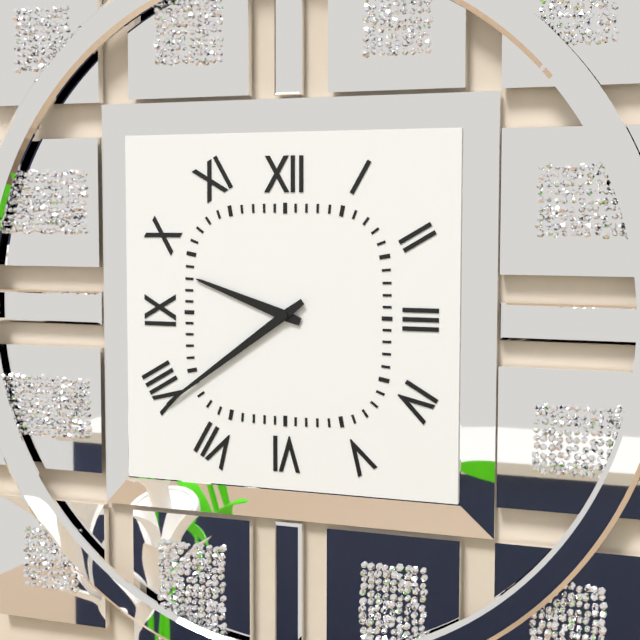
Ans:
h=9 m=39
